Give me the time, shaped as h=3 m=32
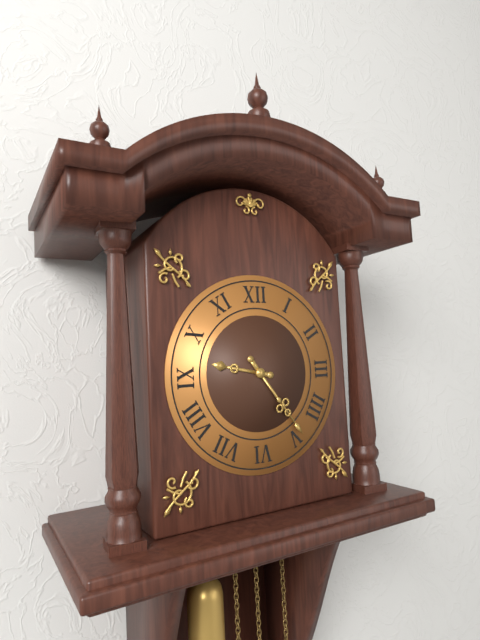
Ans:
h=9 m=24
